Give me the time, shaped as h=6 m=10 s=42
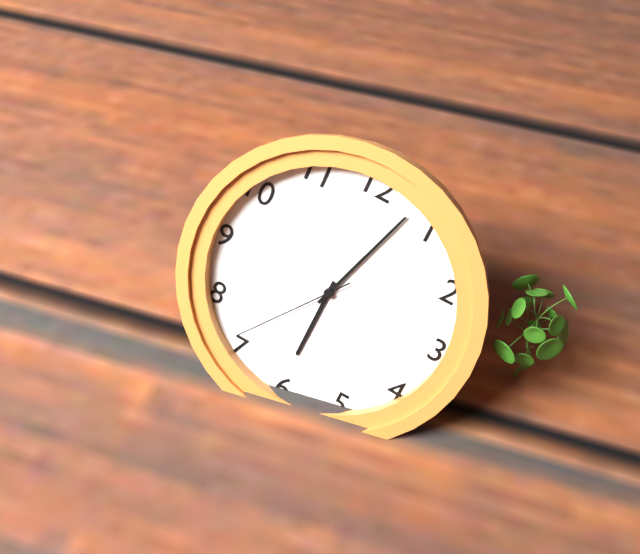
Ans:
h=6 m=3 s=36
